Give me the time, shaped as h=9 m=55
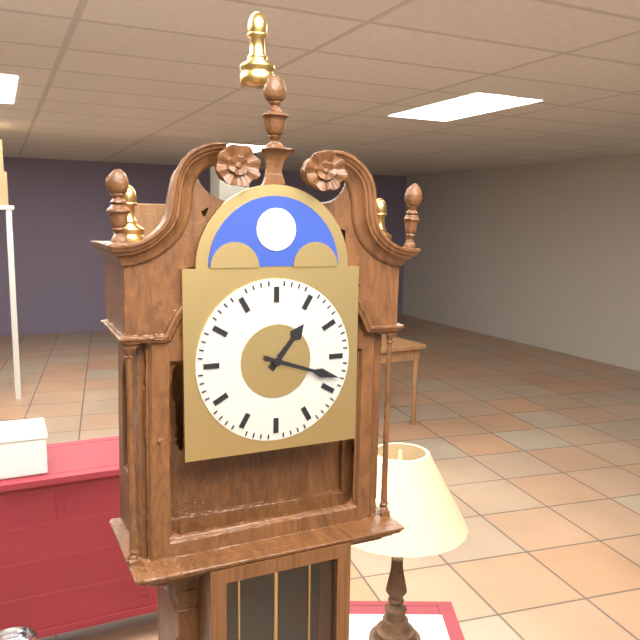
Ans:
h=1 m=18
